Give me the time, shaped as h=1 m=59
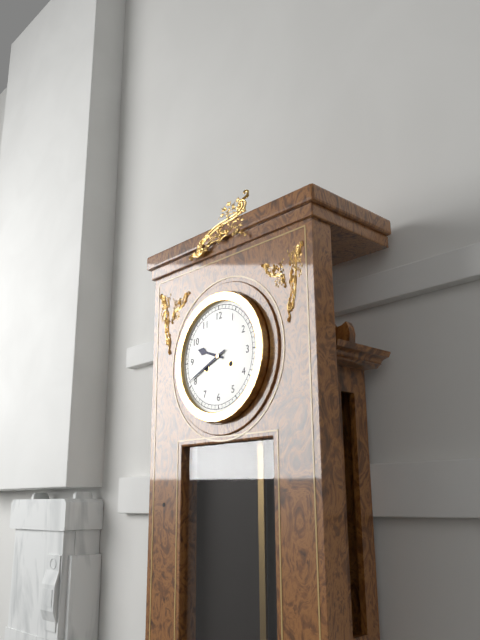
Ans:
h=9 m=41
